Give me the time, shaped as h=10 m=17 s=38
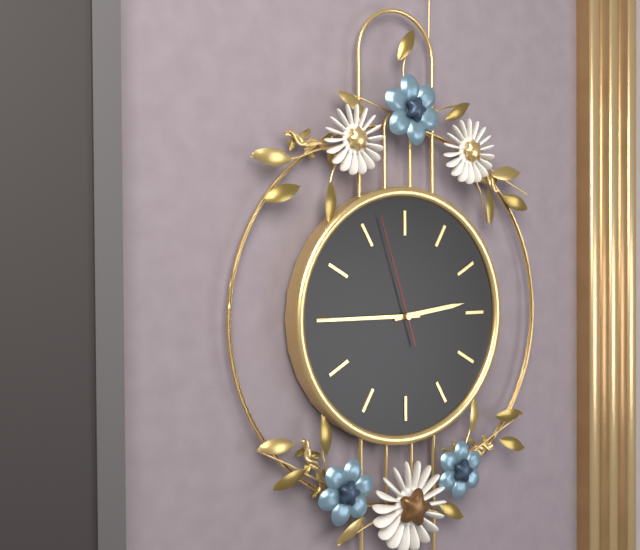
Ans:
h=2 m=45 s=57
